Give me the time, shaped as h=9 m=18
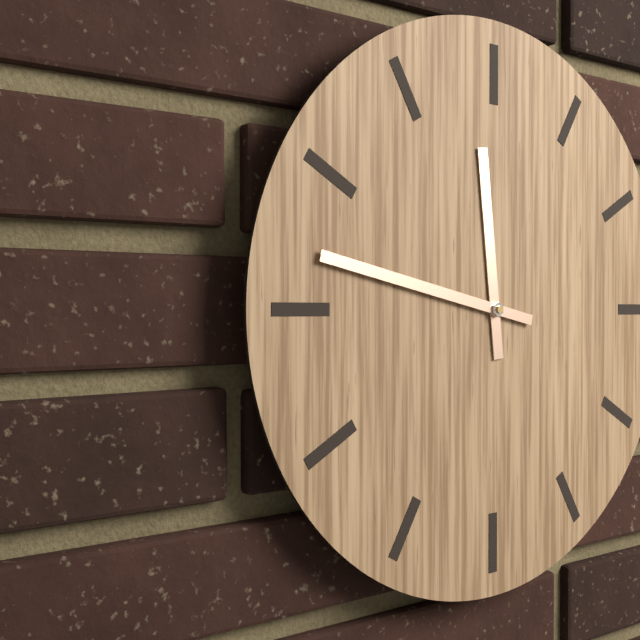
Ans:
h=11 m=47
